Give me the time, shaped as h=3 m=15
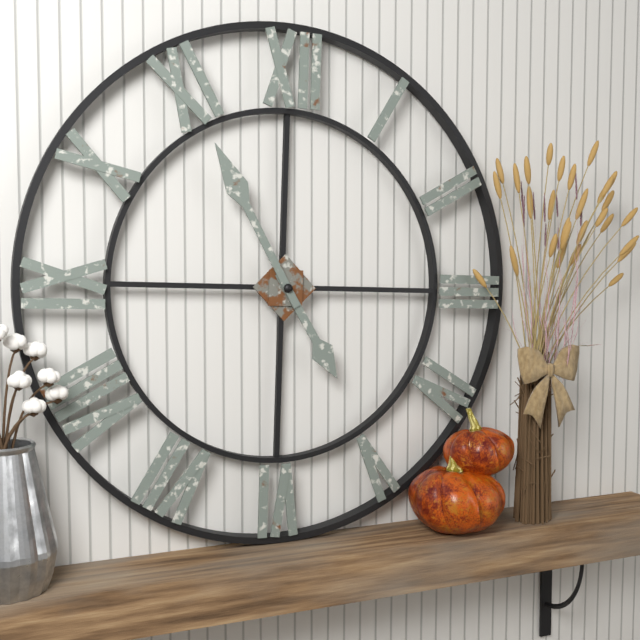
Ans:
h=4 m=55
